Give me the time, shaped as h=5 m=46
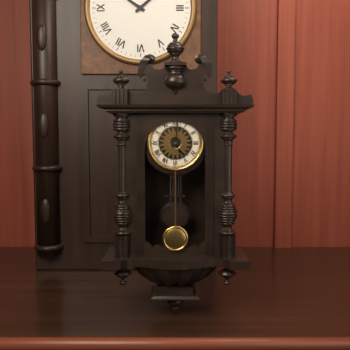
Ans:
h=5 m=1
